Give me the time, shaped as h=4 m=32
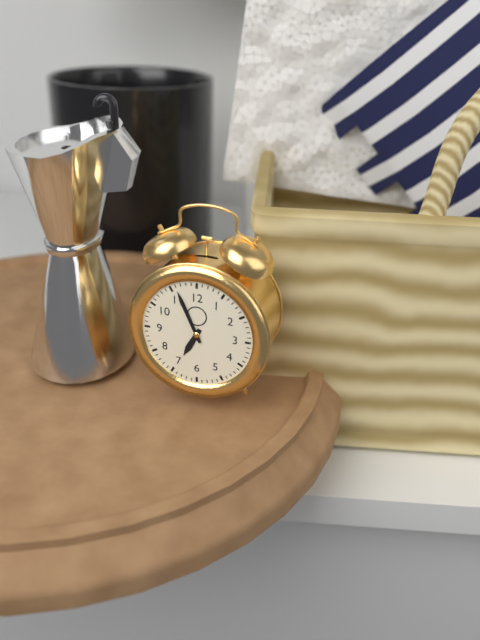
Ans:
h=6 m=56
